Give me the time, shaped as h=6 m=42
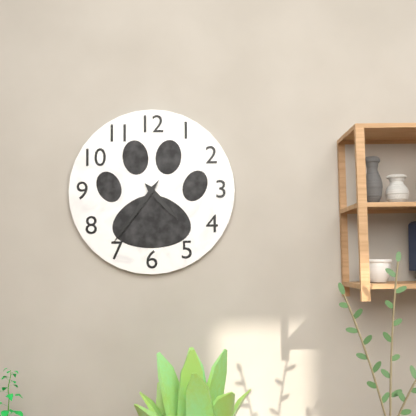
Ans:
h=4 m=36
